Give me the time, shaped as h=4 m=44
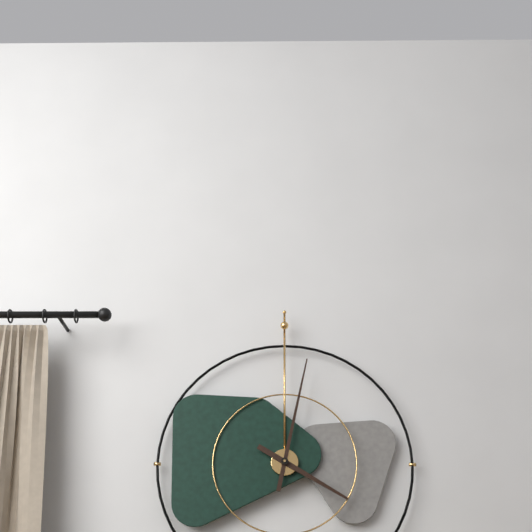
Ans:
h=4 m=2
